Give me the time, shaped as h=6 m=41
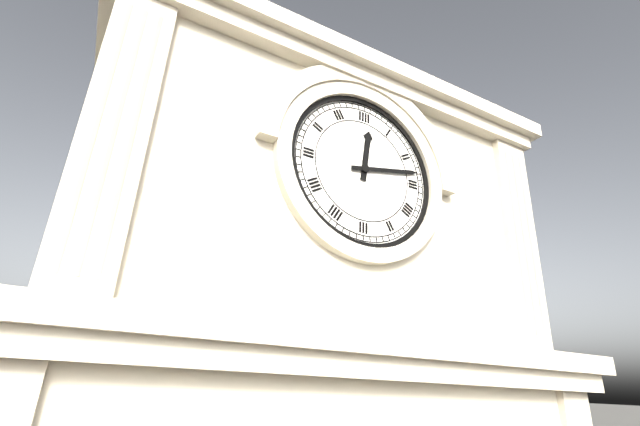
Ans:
h=12 m=13
